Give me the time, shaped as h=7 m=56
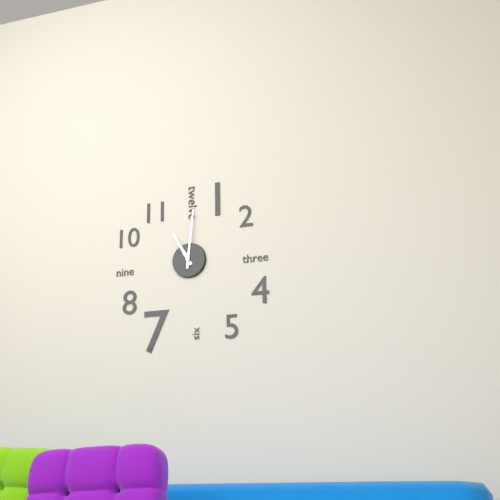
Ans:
h=11 m=1
